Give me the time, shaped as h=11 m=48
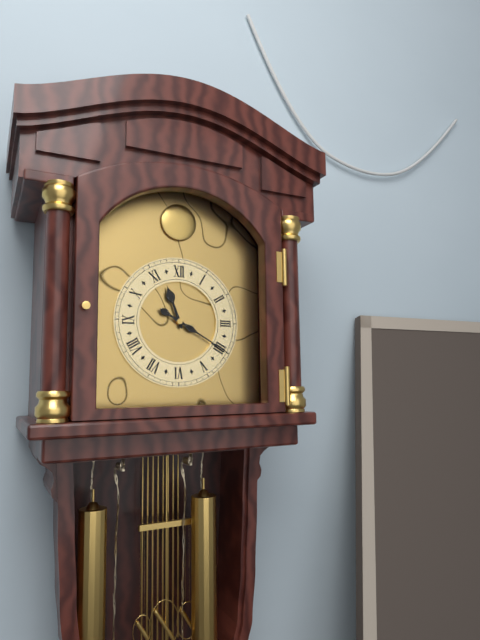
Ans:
h=11 m=20
